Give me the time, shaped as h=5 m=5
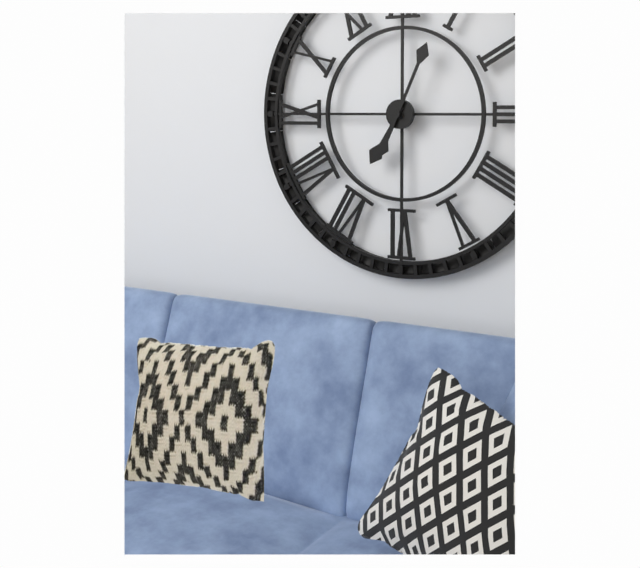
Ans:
h=7 m=4
